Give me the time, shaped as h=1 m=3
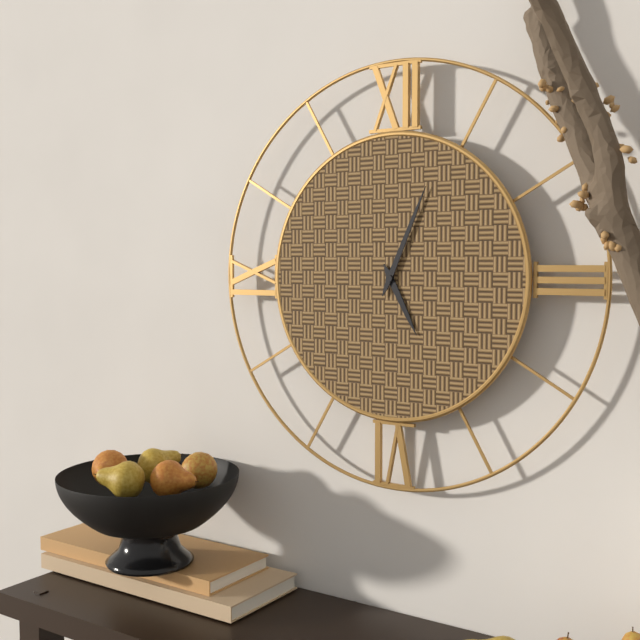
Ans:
h=5 m=4
